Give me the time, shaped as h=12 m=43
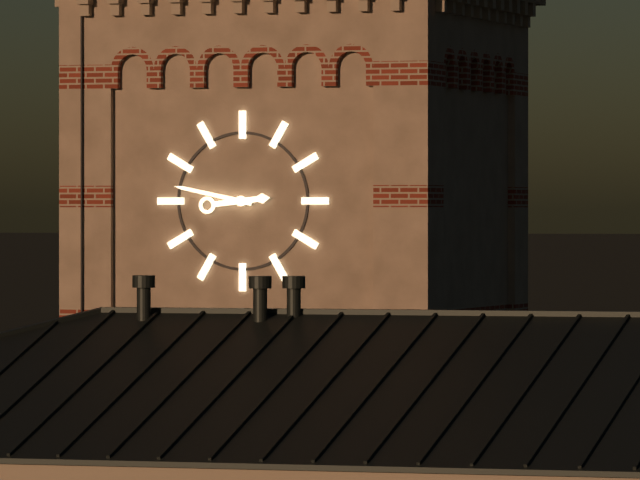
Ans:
h=2 m=47
